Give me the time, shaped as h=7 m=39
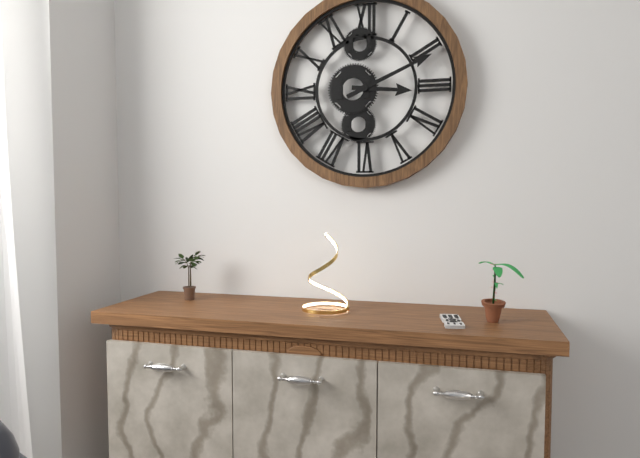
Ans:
h=3 m=11
